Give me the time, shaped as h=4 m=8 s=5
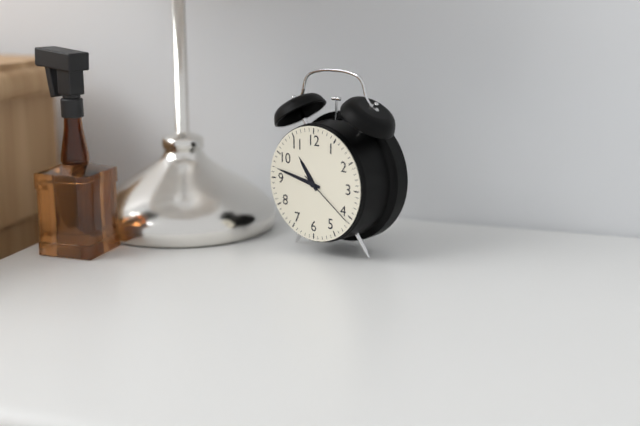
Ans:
h=10 m=47 s=21
